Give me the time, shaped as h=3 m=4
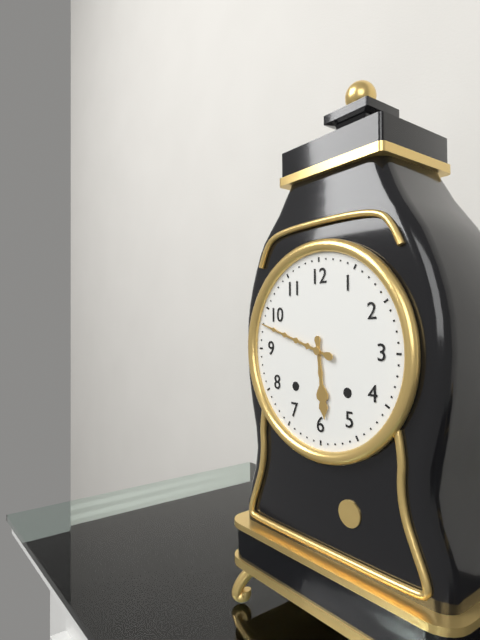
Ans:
h=5 m=48
